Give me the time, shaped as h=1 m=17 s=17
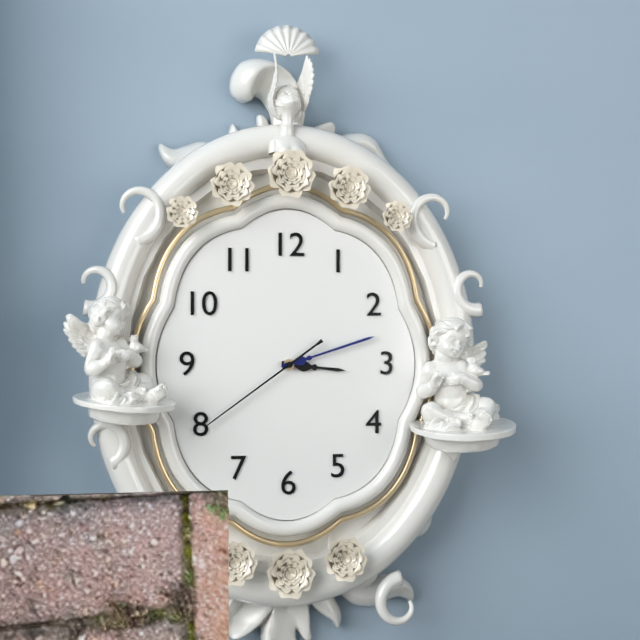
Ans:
h=3 m=12 s=39
